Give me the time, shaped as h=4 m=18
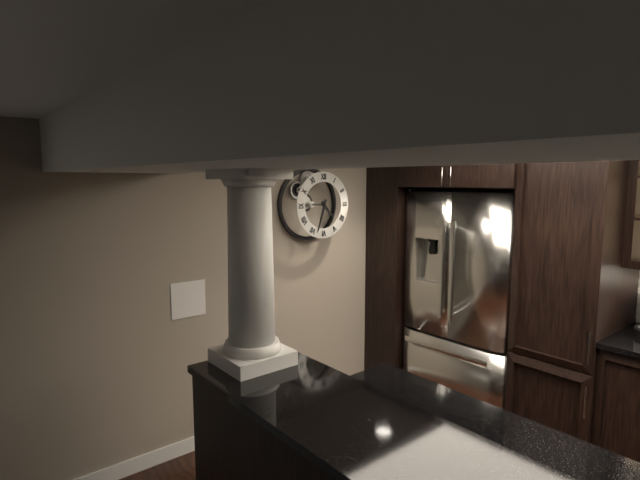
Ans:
h=4 m=33
